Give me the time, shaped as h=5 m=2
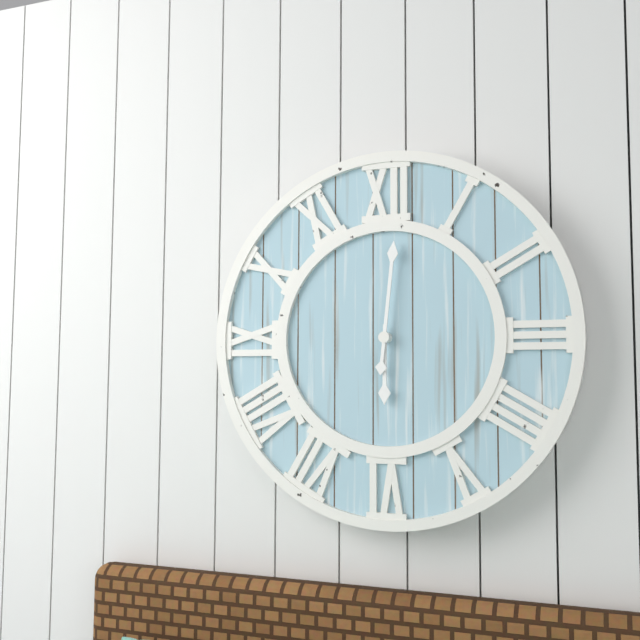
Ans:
h=6 m=1
